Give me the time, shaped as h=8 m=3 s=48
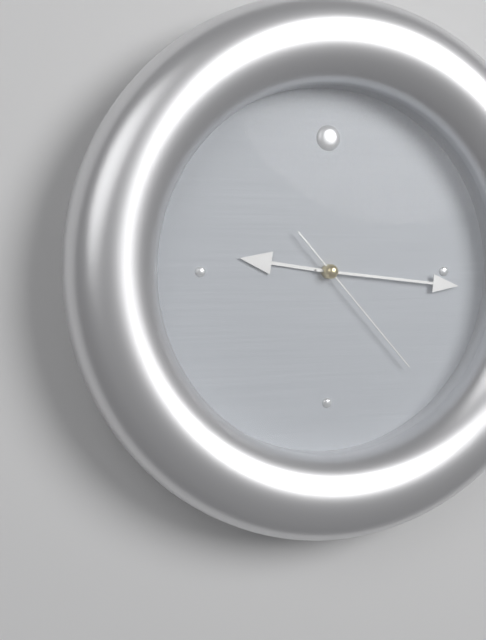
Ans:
h=9 m=16 s=23
